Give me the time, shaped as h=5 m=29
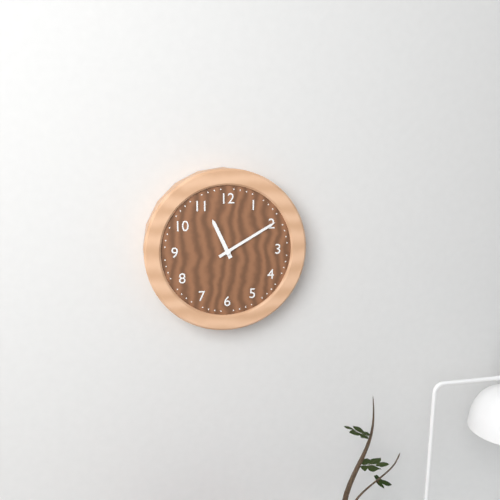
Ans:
h=11 m=10
